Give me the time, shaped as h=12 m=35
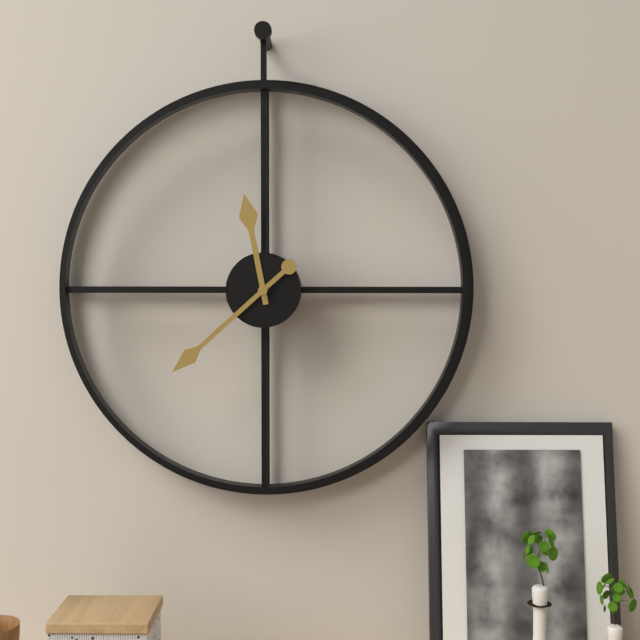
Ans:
h=11 m=38
